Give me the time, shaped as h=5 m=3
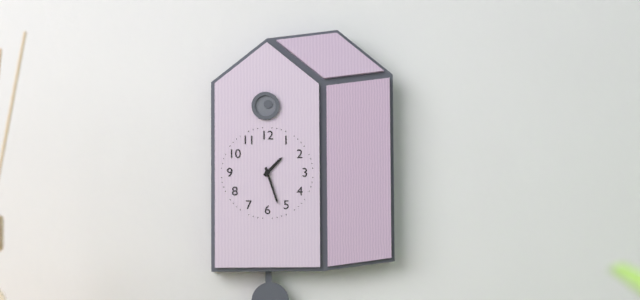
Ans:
h=1 m=27
